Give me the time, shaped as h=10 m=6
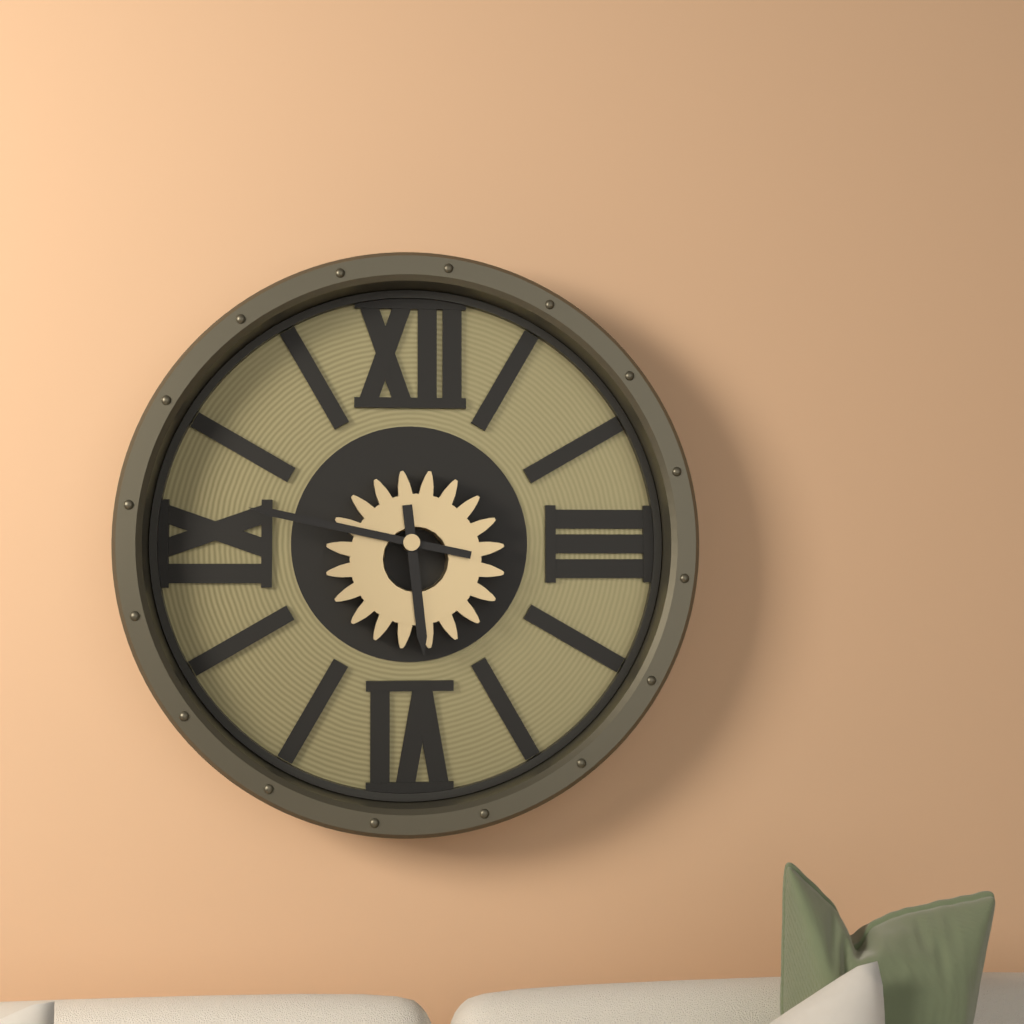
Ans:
h=5 m=47
